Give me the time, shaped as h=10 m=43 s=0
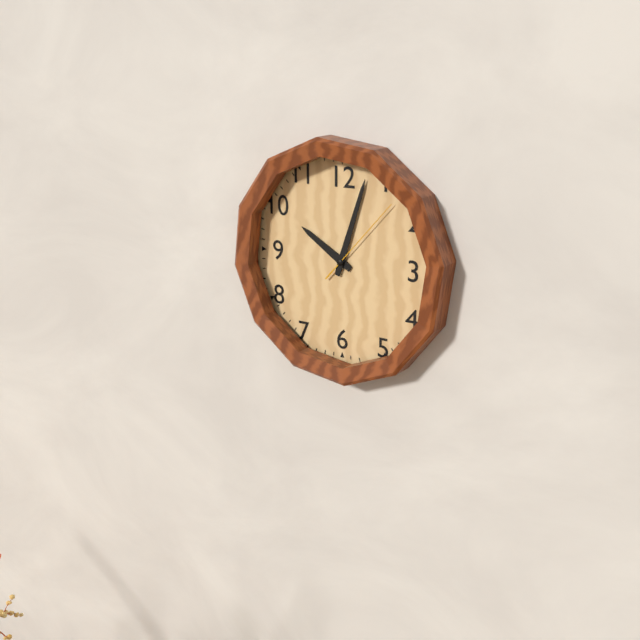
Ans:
h=10 m=3 s=7
